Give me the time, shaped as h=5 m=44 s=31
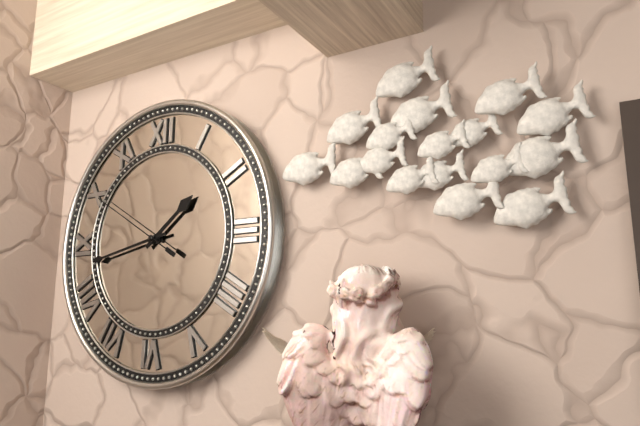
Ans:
h=1 m=43 s=50
